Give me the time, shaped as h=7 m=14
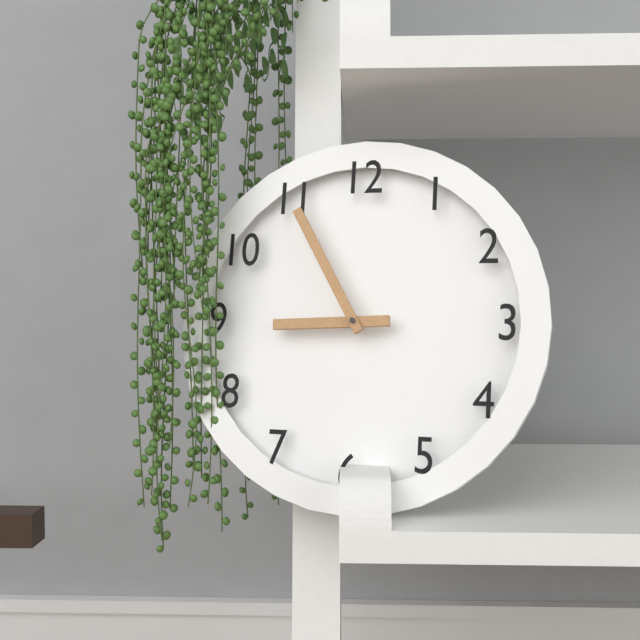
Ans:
h=8 m=55
